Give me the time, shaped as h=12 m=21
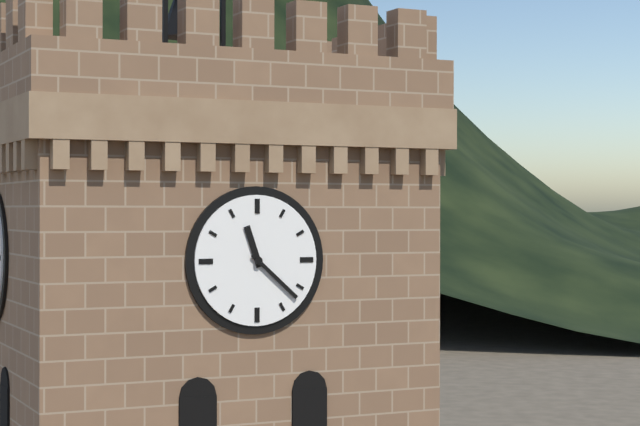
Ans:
h=11 m=22
